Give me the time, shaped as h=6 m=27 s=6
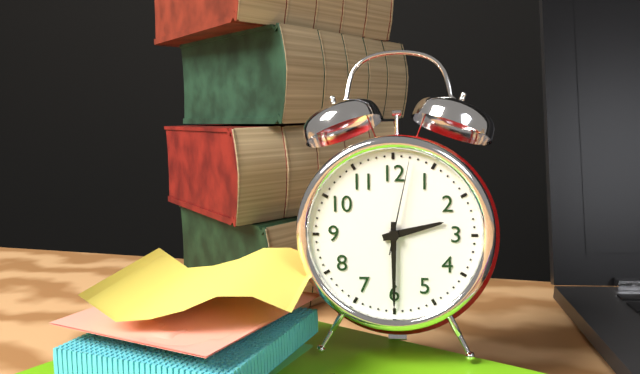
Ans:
h=2 m=30 s=2
